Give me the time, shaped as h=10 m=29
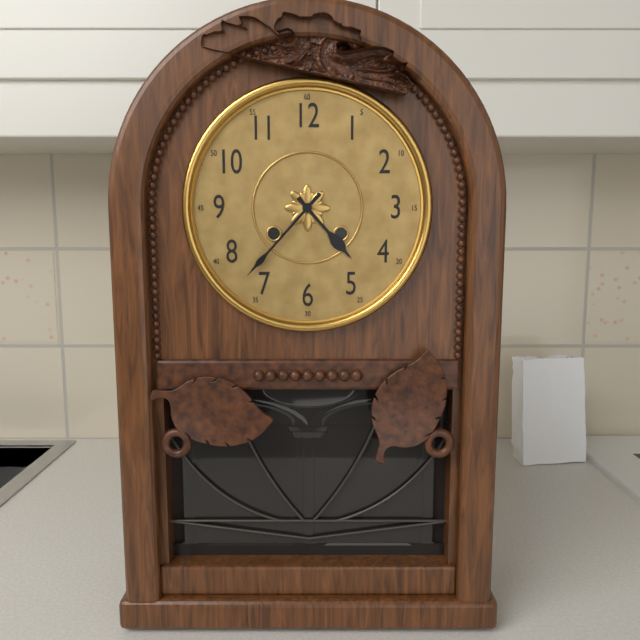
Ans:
h=4 m=37
